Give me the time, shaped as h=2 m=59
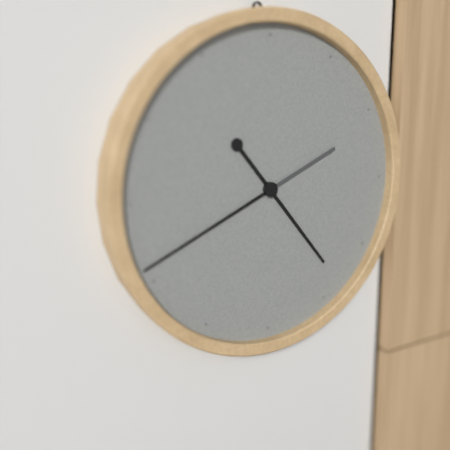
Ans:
h=4 m=41
